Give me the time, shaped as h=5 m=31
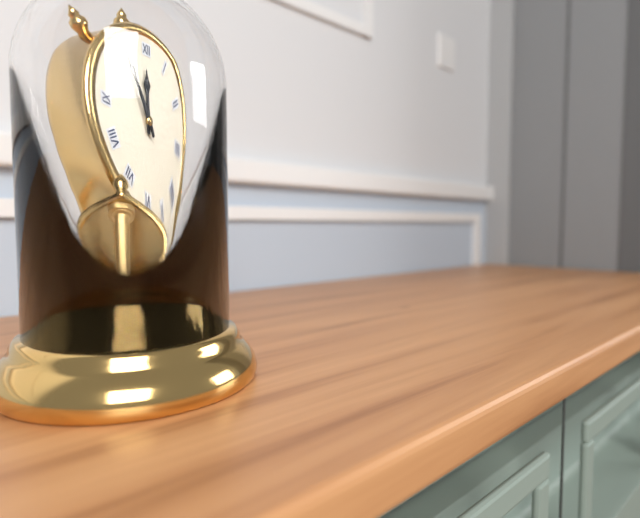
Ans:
h=11 m=54
